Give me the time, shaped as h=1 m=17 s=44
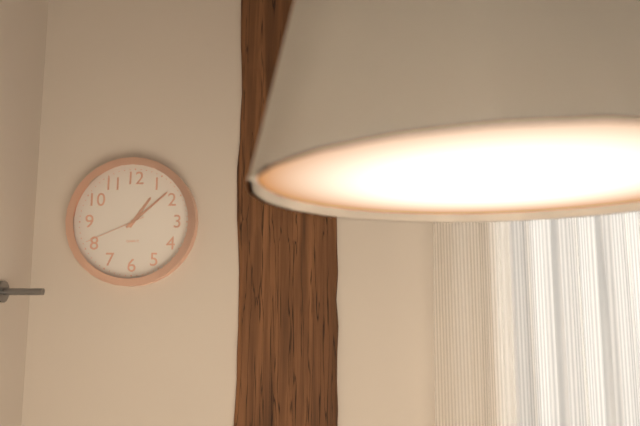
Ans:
h=1 m=8 s=41
